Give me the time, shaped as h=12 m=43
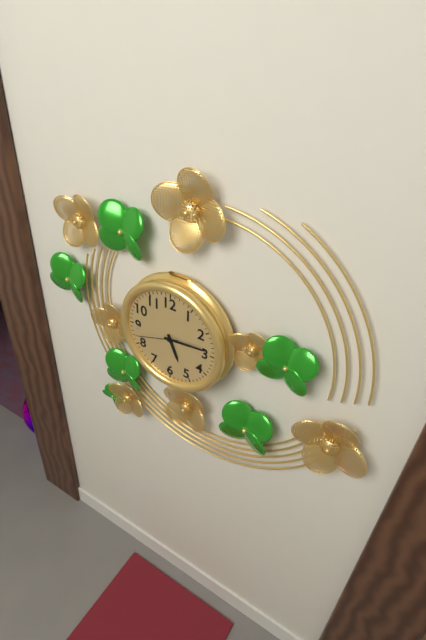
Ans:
h=5 m=14
